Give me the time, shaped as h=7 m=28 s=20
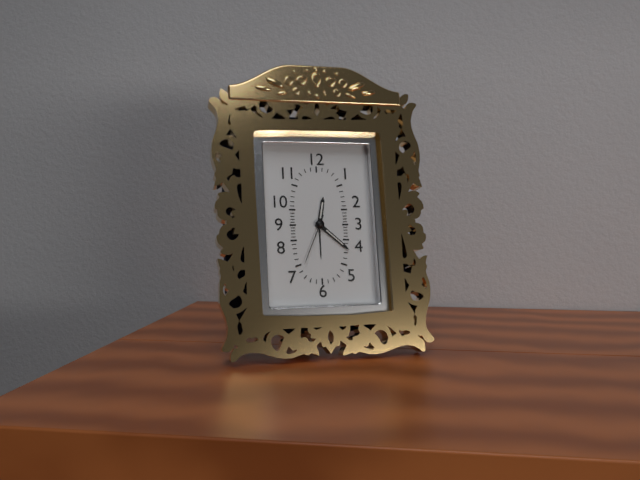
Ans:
h=12 m=22 s=34
